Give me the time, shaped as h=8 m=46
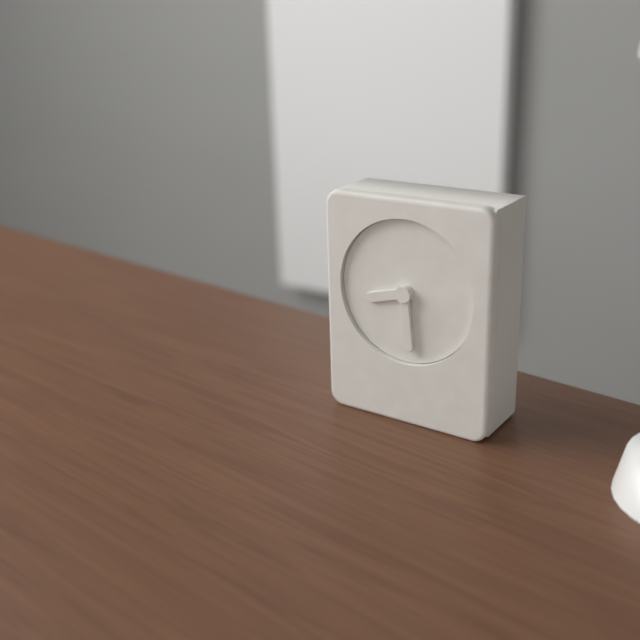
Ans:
h=8 m=29
